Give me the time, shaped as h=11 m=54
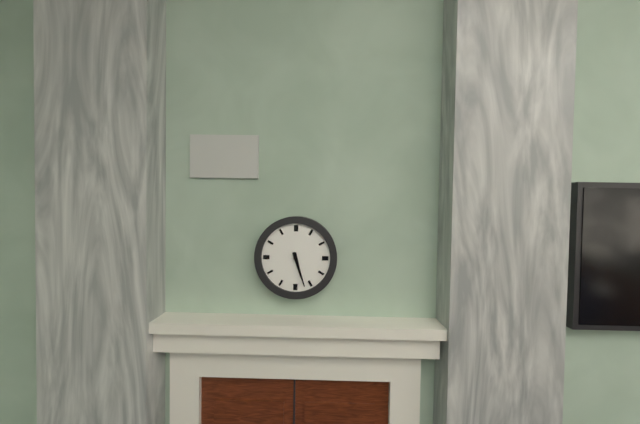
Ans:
h=5 m=27
